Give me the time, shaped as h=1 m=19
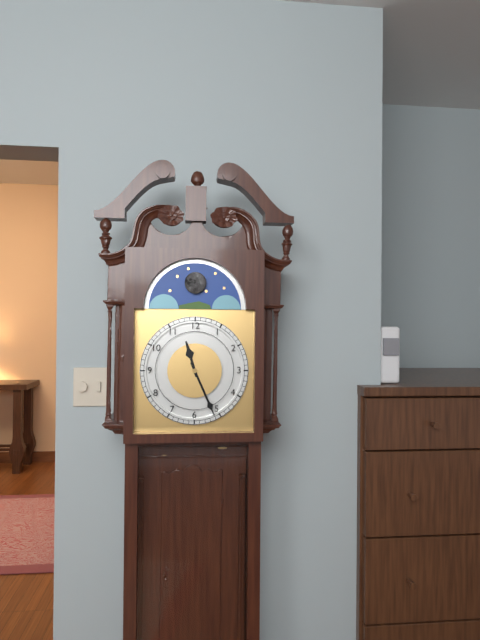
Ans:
h=11 m=26
